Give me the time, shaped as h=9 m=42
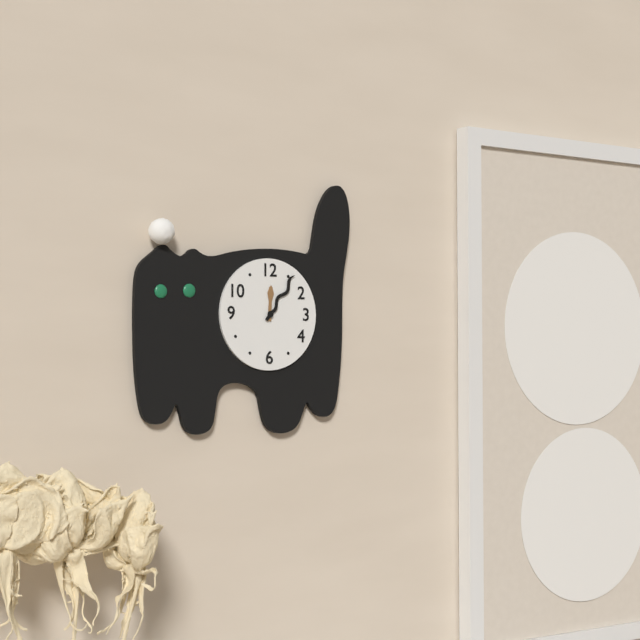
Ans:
h=12 m=6
